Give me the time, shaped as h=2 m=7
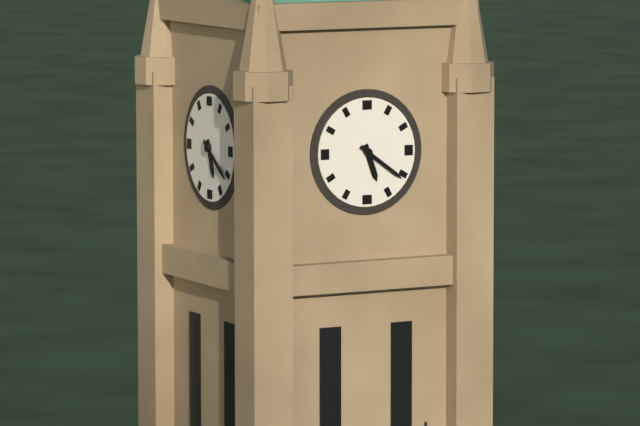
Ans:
h=5 m=21
